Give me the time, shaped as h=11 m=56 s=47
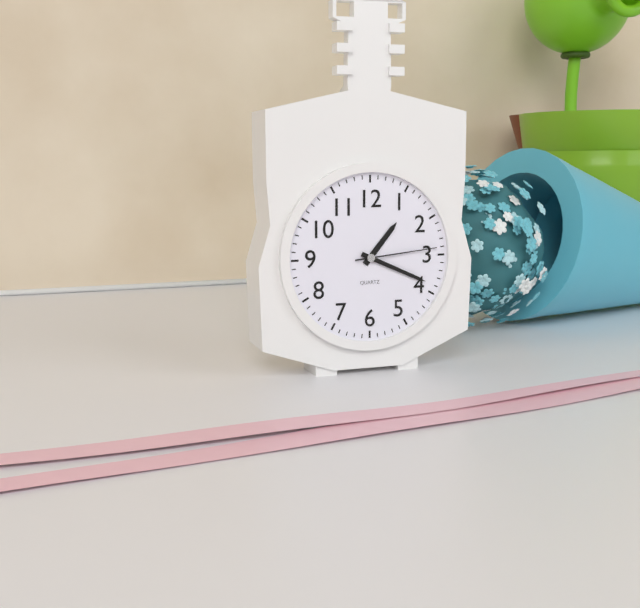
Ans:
h=1 m=19 s=14
